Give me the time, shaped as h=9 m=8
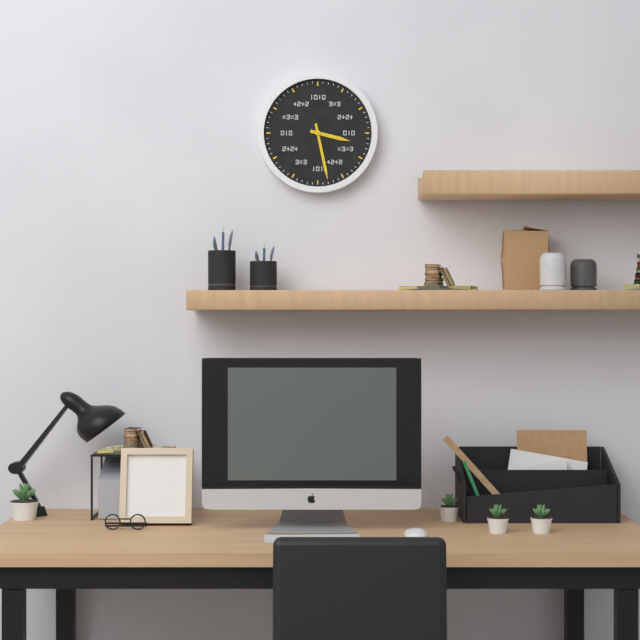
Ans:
h=3 m=28
